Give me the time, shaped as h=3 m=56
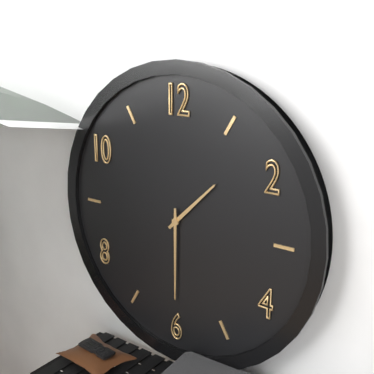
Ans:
h=1 m=30
